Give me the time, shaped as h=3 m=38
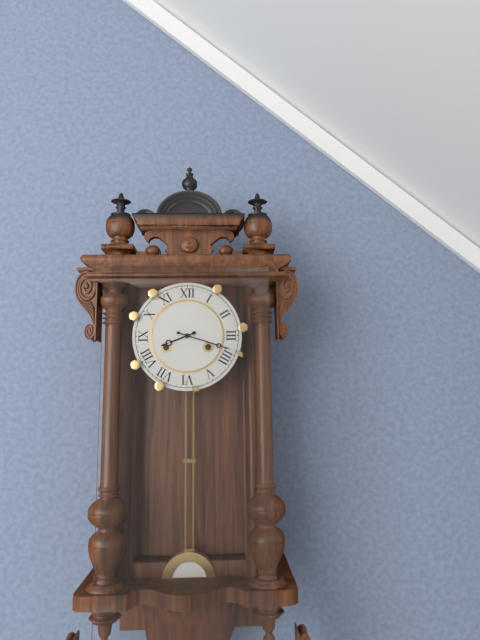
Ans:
h=8 m=18
